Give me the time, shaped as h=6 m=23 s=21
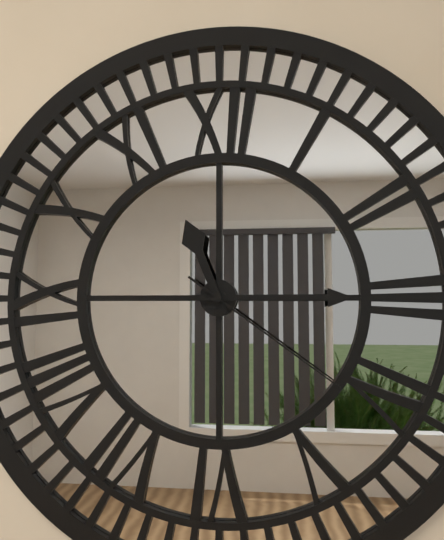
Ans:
h=11 m=15 s=21
